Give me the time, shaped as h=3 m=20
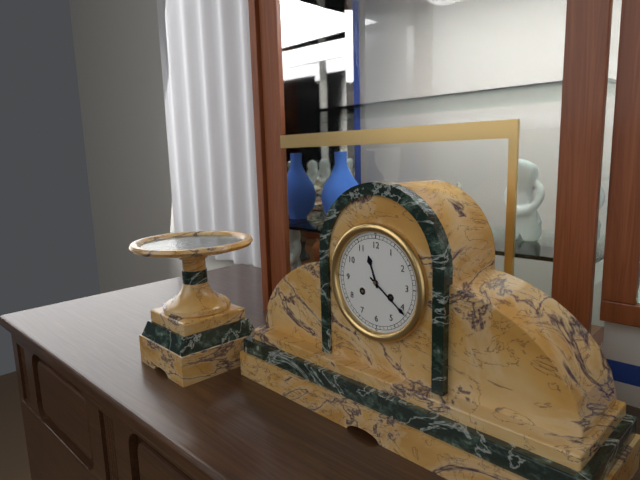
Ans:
h=11 m=21
